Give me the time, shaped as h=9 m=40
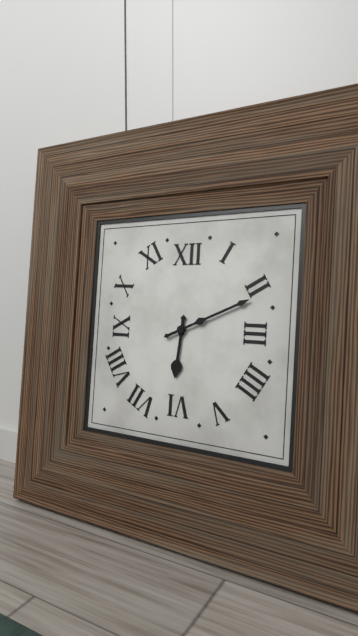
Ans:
h=6 m=11
